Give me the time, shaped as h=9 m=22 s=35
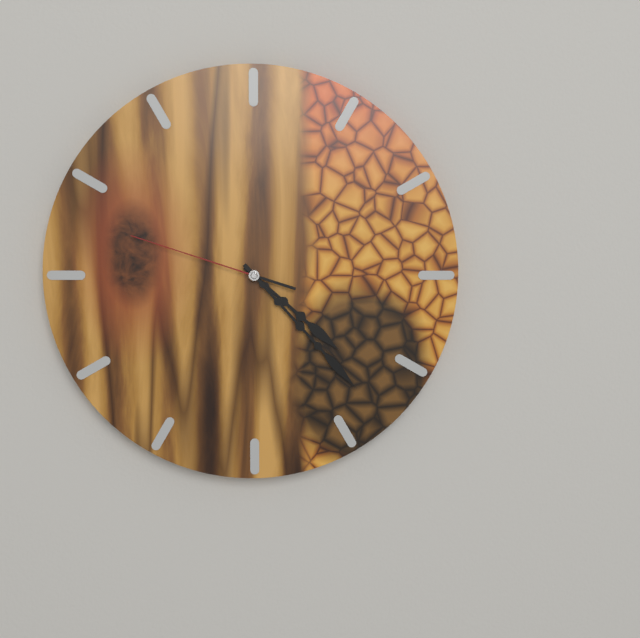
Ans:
h=4 m=23 s=48
